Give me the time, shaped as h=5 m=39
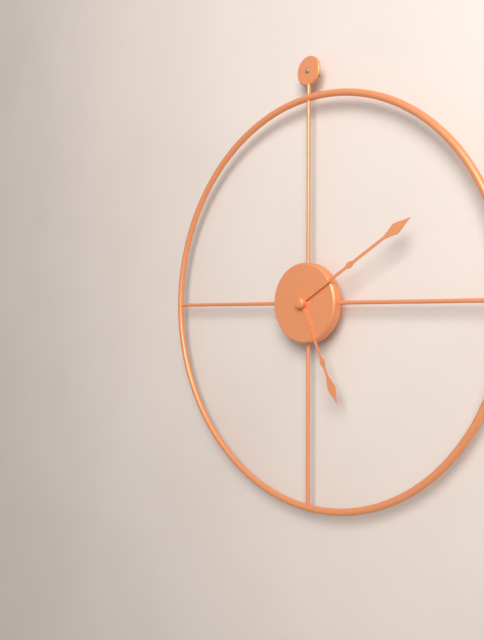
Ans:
h=5 m=10
